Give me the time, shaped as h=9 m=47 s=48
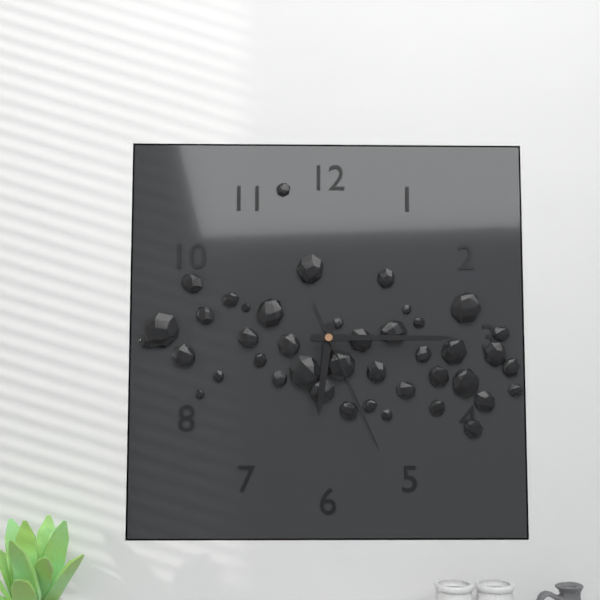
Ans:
h=6 m=15 s=26
